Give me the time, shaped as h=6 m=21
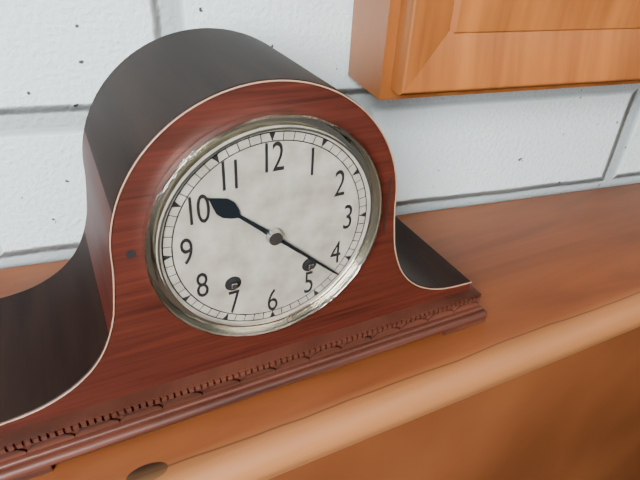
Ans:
h=10 m=22
